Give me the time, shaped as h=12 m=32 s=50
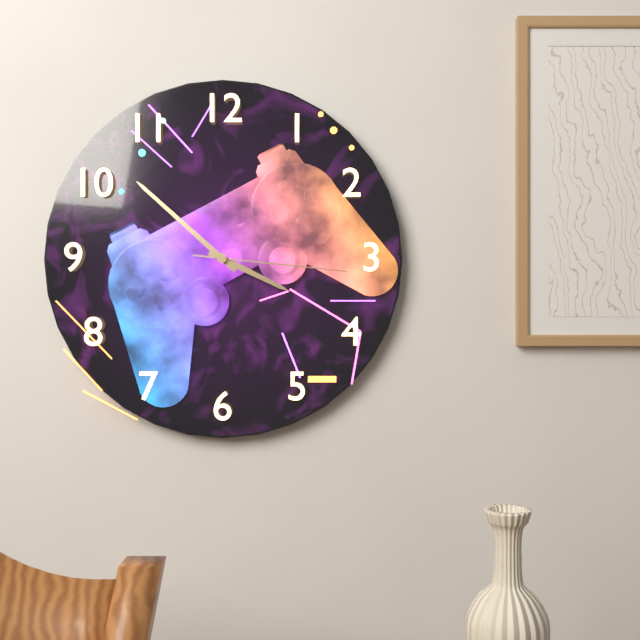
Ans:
h=3 m=52 s=16
